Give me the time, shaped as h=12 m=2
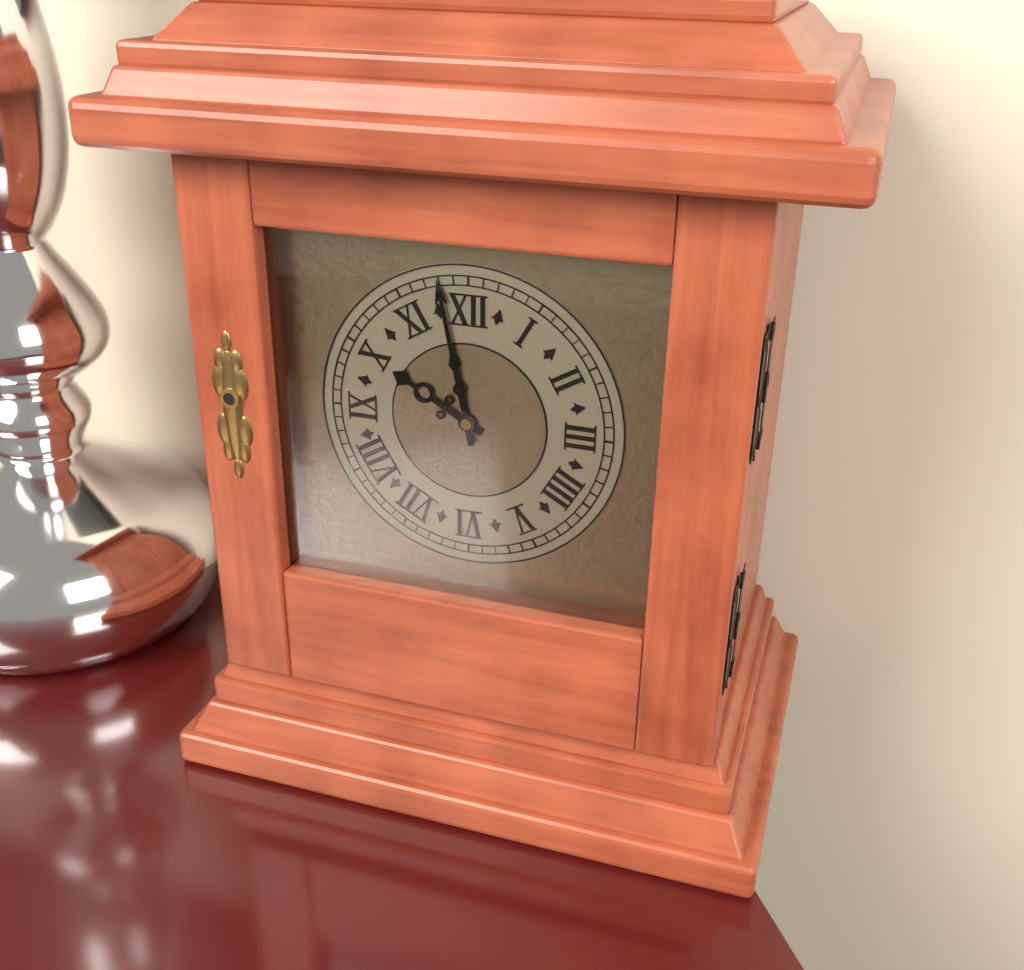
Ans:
h=9 m=58
